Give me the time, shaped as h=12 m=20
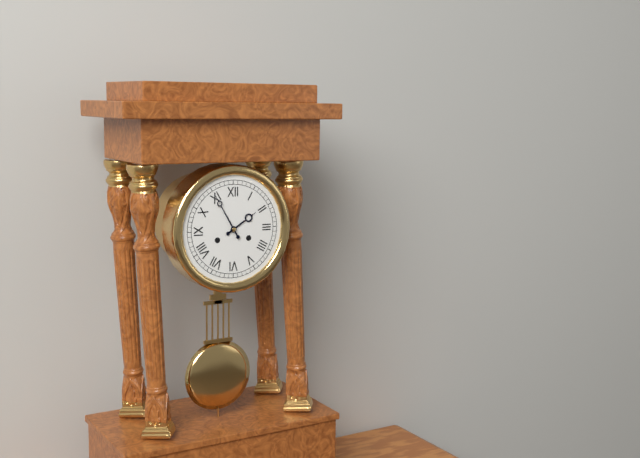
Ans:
h=1 m=55
